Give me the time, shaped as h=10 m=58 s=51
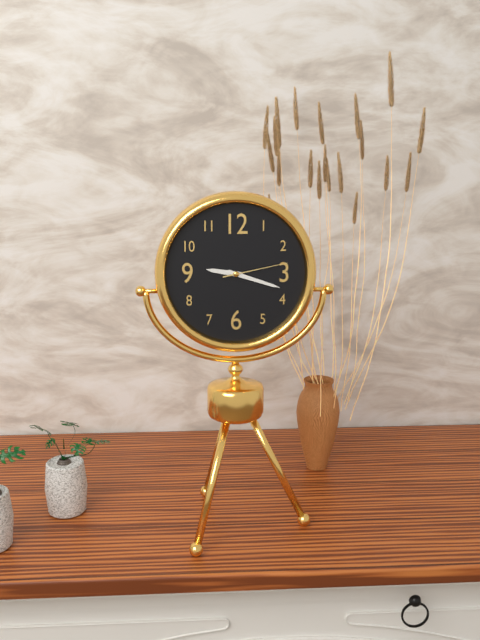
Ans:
h=9 m=18 s=13
